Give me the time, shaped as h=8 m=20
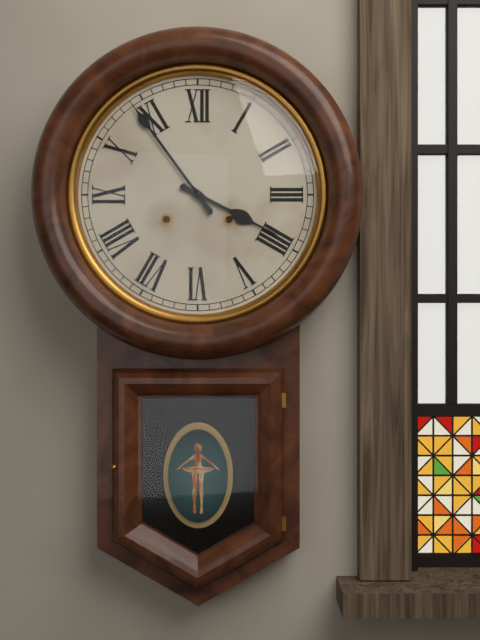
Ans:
h=3 m=54
